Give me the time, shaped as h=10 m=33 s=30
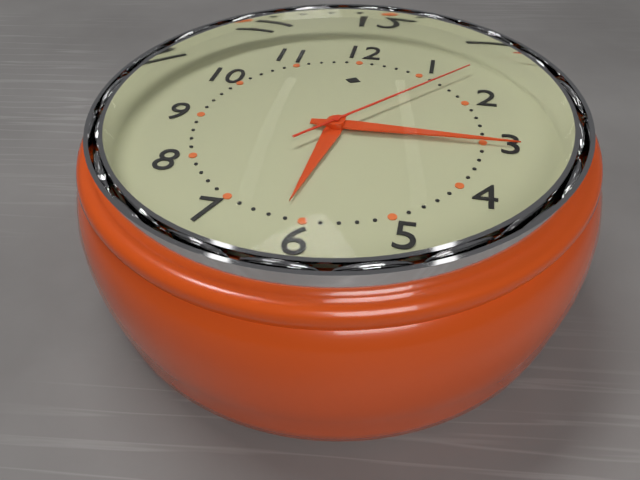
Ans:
h=6 m=15 s=7
